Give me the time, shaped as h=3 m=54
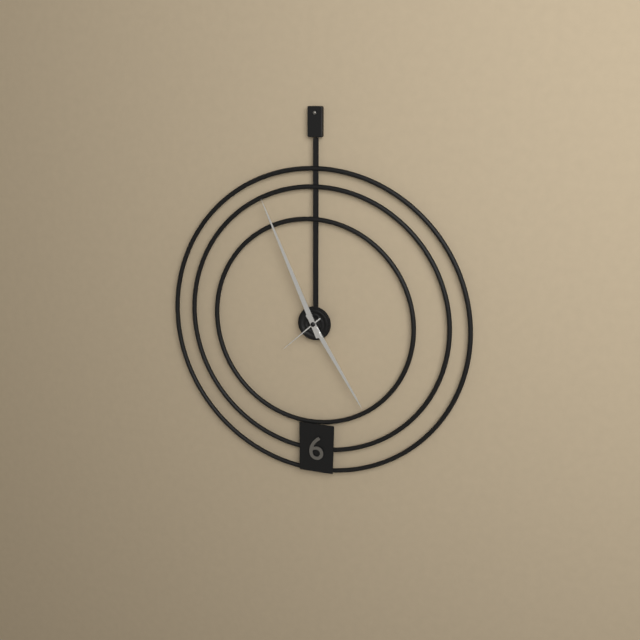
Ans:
h=4 m=56
